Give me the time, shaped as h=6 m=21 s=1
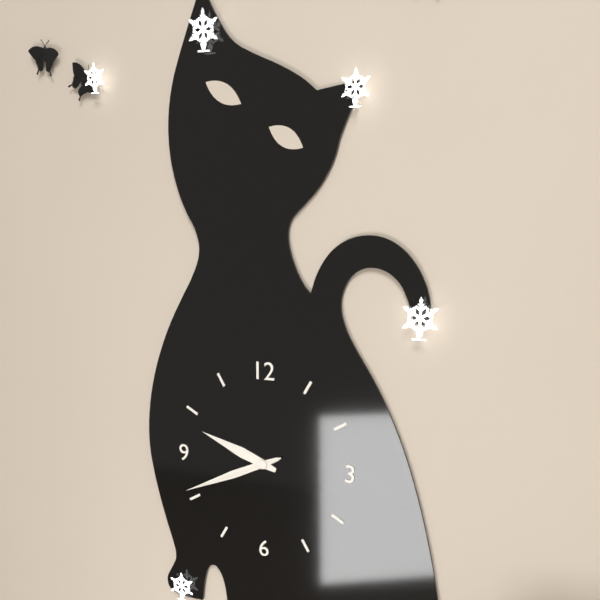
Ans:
h=9 m=41 s=41
